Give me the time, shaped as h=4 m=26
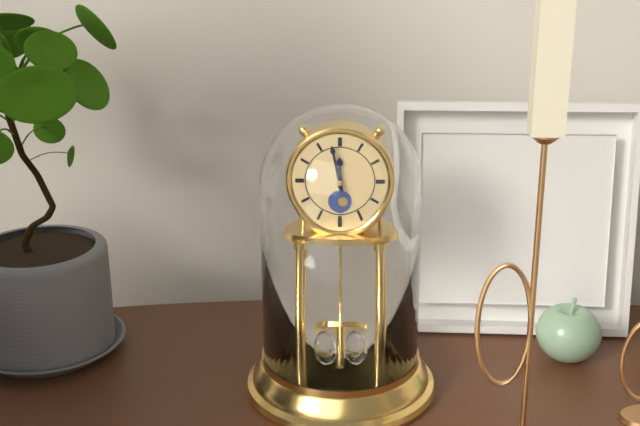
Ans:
h=11 m=58
